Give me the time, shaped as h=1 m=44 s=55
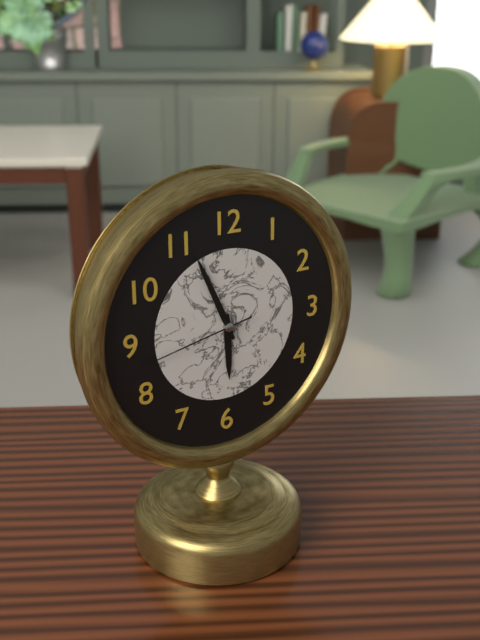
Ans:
h=5 m=56 s=43
